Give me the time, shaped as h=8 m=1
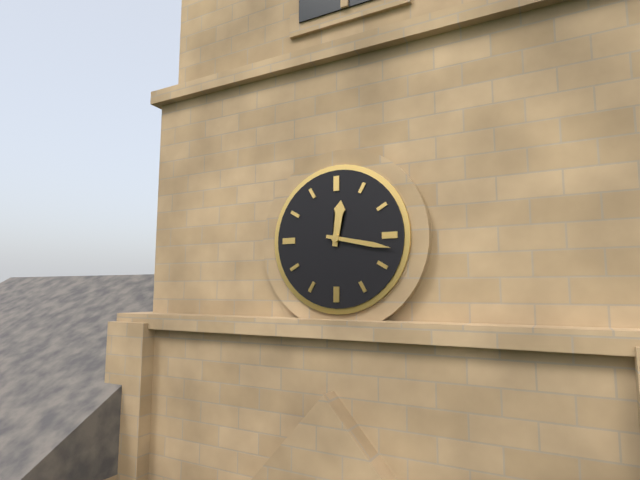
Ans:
h=12 m=17
